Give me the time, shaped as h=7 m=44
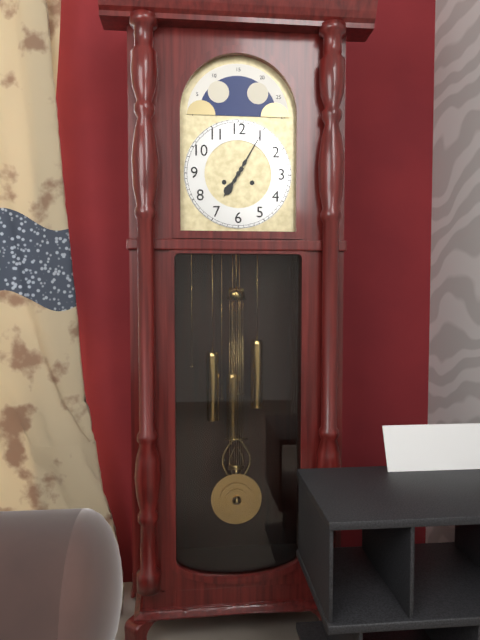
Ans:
h=7 m=5
